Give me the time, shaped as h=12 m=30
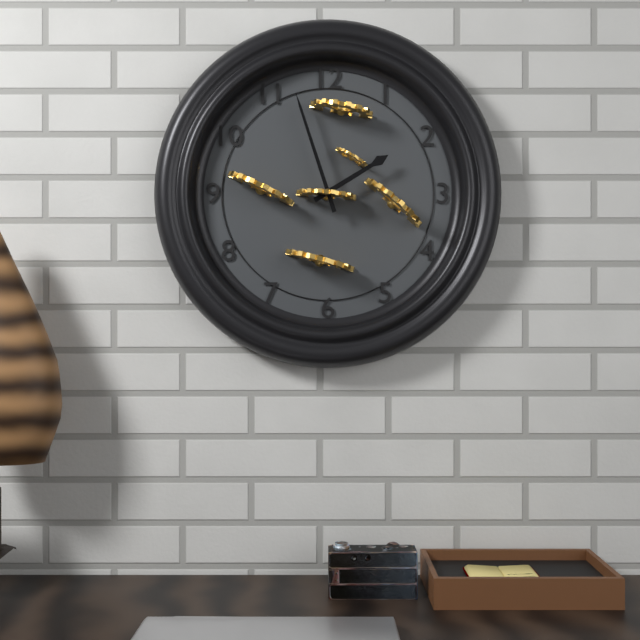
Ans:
h=1 m=57
